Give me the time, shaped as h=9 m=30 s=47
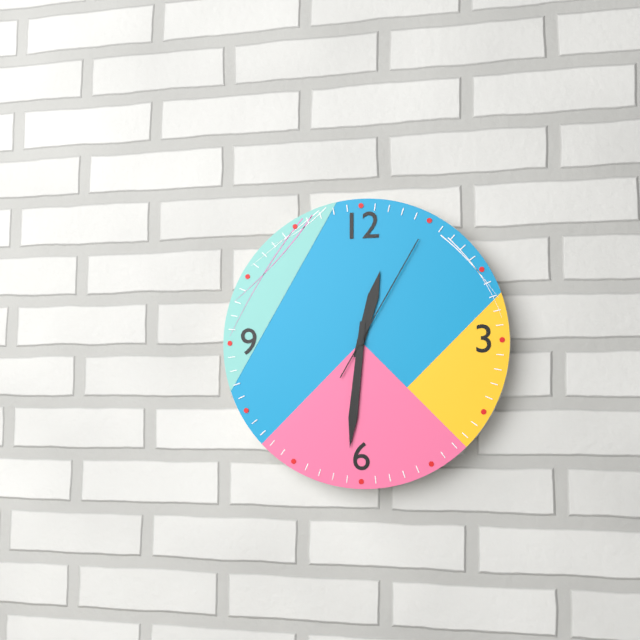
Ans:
h=12 m=31 s=5
